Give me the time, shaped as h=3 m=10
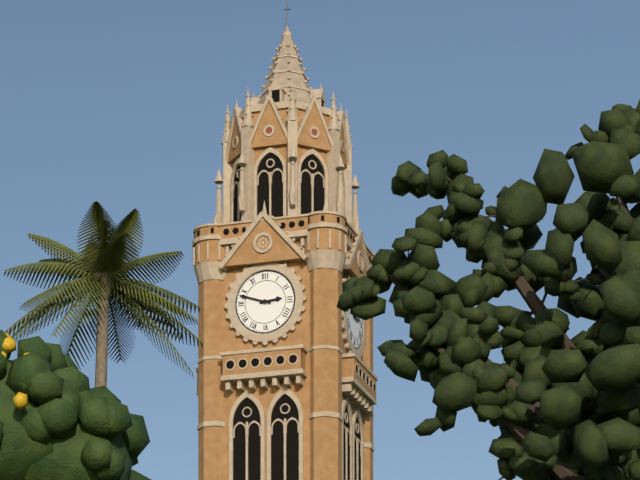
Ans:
h=2 m=48
